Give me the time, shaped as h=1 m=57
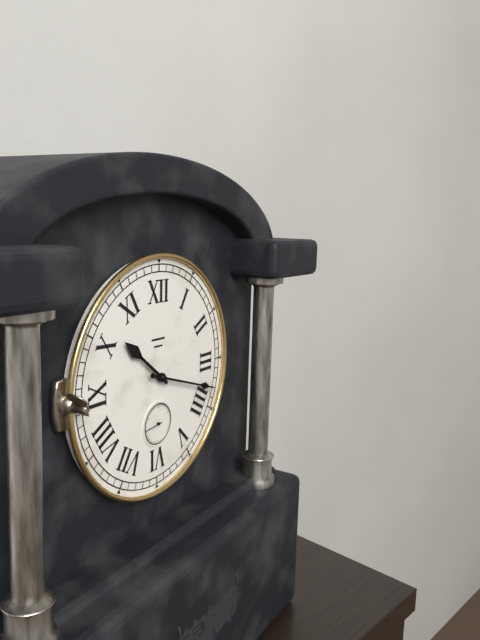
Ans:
h=10 m=18
